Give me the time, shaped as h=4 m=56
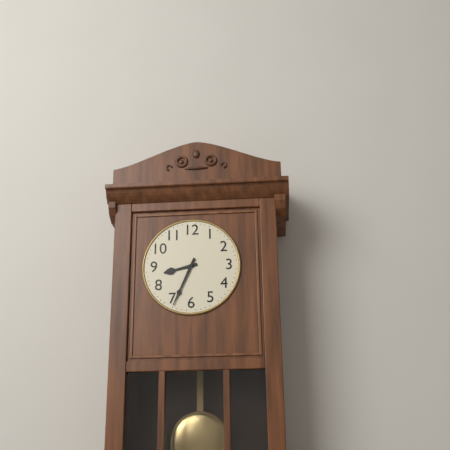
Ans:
h=8 m=34
